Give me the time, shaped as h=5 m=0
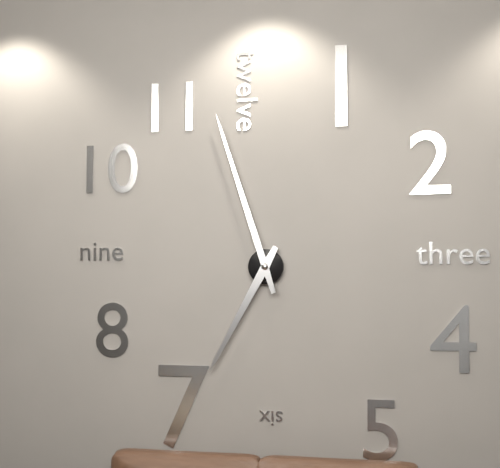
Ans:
h=6 m=57
